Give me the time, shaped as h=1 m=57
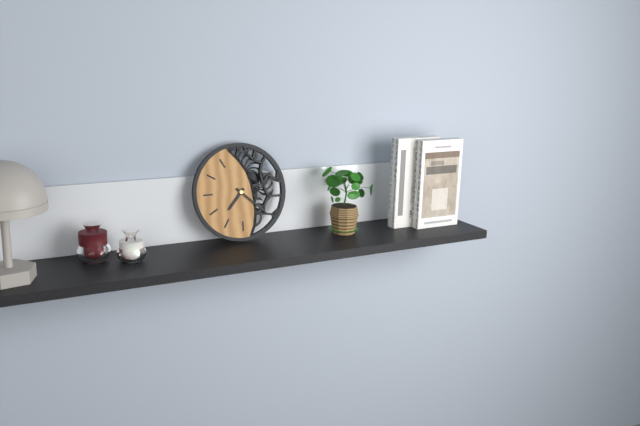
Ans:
h=7 m=22
